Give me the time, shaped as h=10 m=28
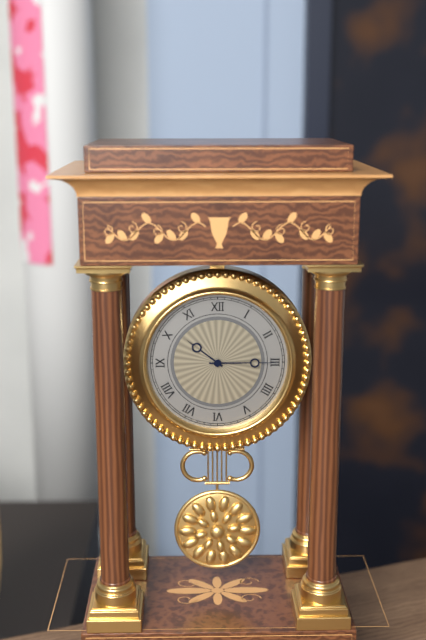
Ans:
h=10 m=15
